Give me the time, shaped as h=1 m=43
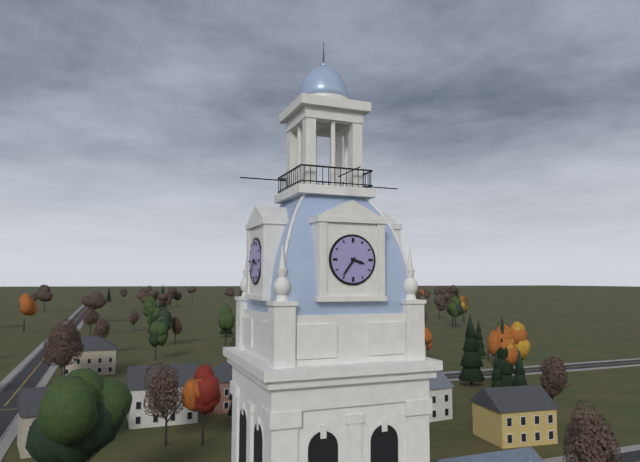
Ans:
h=3 m=36
